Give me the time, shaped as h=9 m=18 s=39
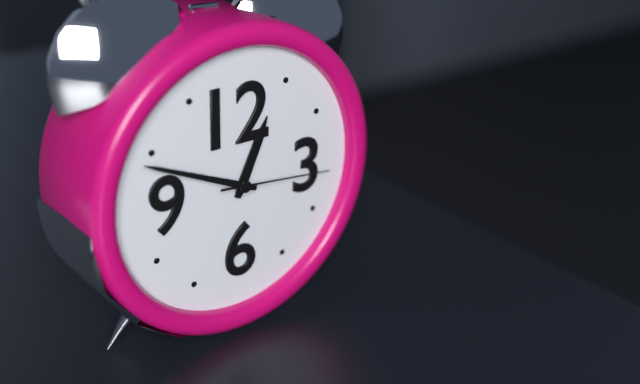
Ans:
h=12 m=49 s=16
